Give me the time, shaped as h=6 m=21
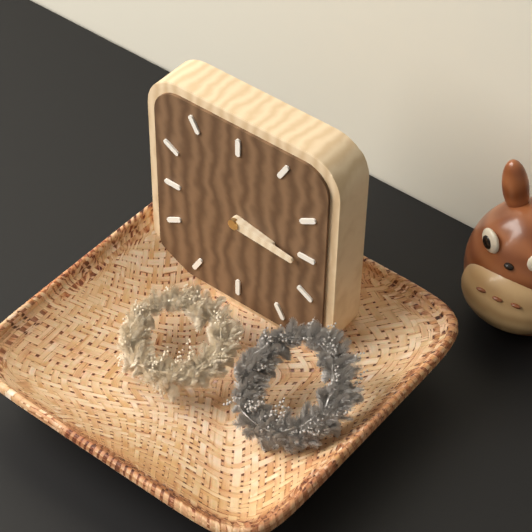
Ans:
h=3 m=16
